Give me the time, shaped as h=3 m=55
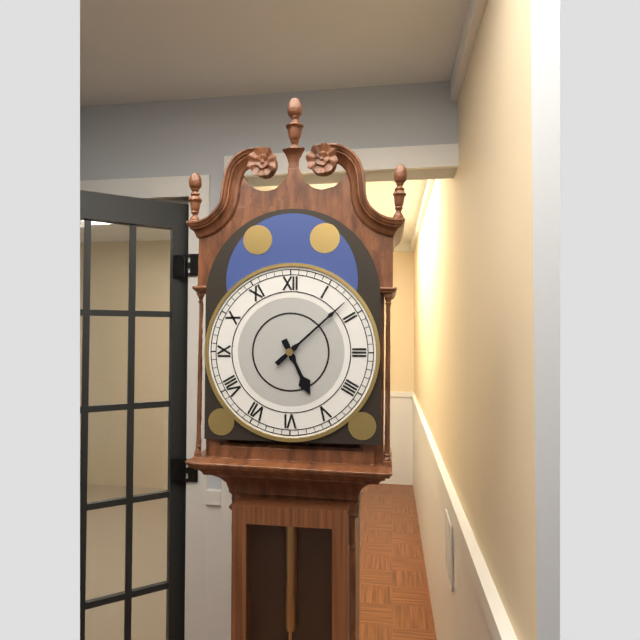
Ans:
h=5 m=8
